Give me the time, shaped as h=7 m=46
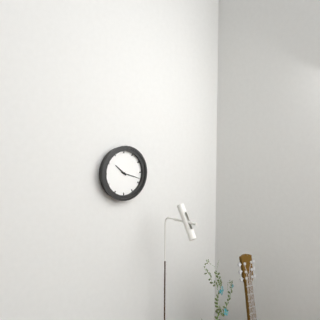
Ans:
h=10 m=18
